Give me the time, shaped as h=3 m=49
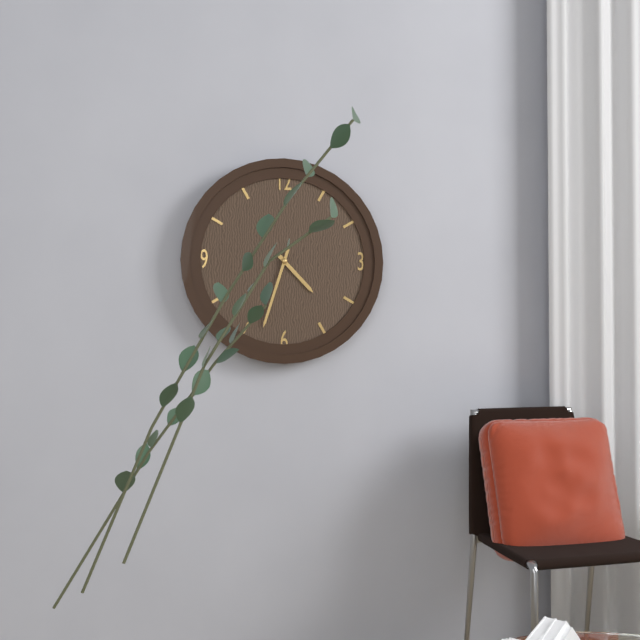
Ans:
h=4 m=33
